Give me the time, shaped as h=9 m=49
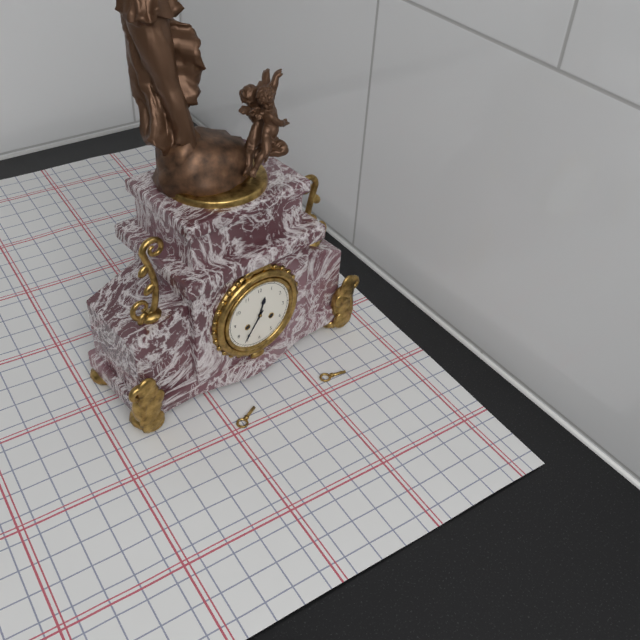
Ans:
h=12 m=36
